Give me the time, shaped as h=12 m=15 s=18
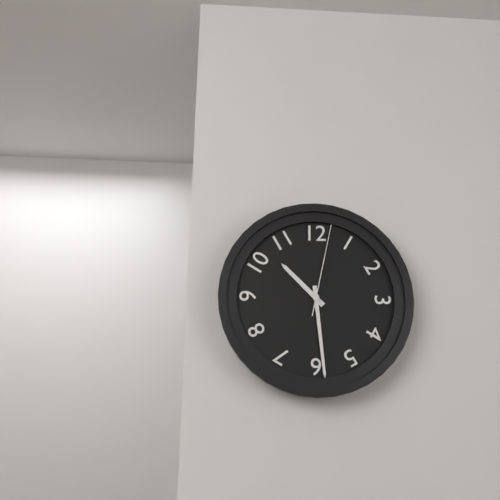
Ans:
h=10 m=29 s=2
